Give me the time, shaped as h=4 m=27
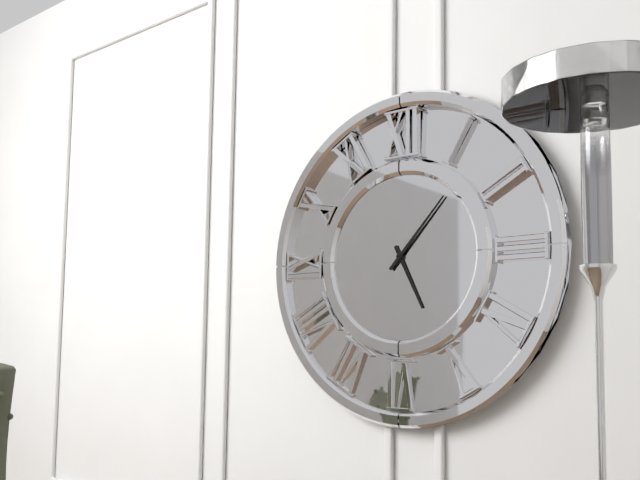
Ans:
h=5 m=7
